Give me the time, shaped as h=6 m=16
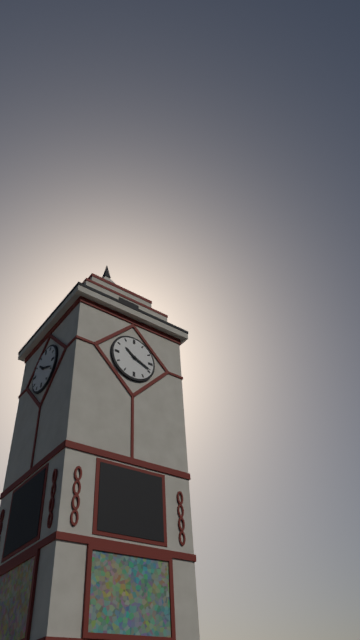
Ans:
h=10 m=19
